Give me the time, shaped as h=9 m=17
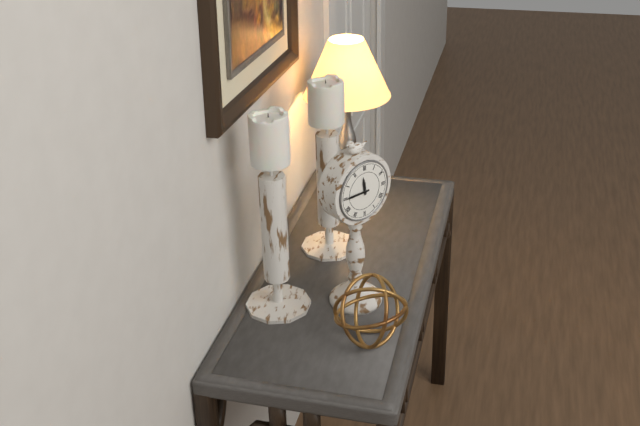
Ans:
h=11 m=45
